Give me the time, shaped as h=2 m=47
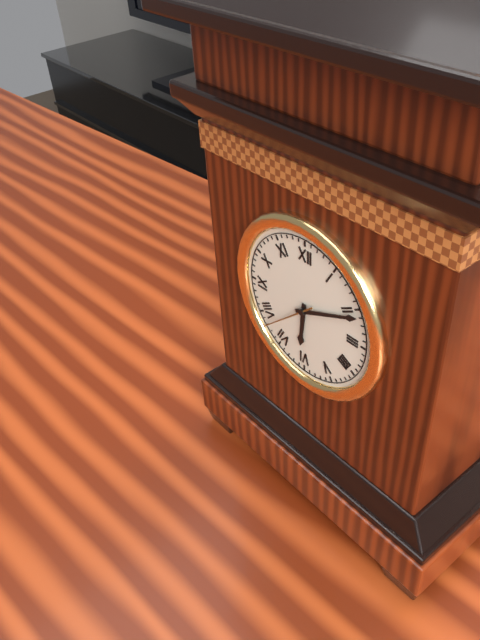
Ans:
h=6 m=11
